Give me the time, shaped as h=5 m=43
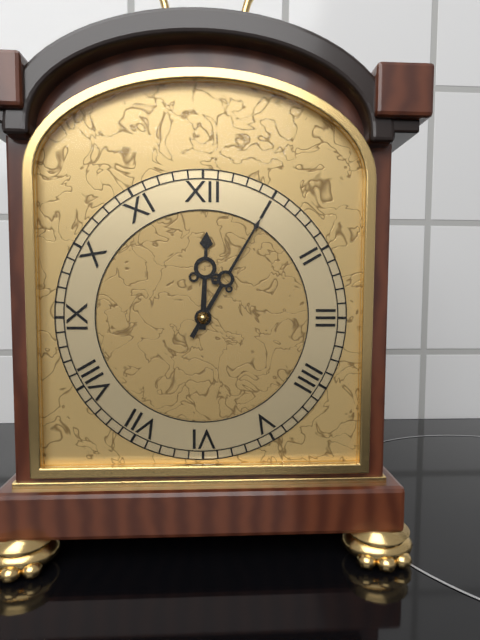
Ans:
h=12 m=5
